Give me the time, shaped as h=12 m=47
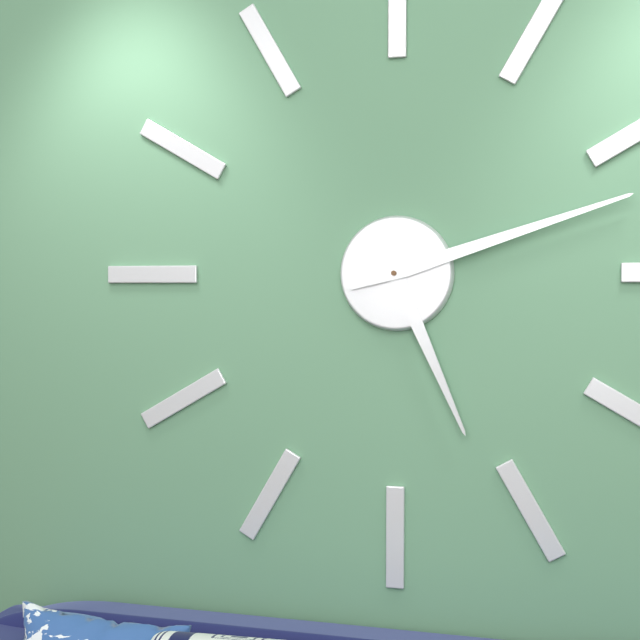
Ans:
h=5 m=12
